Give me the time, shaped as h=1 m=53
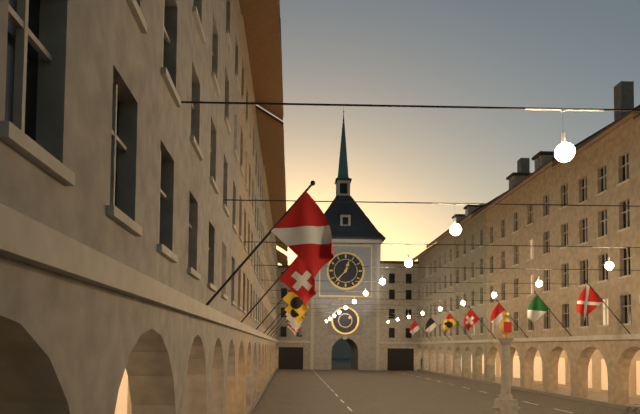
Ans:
h=12 m=37
